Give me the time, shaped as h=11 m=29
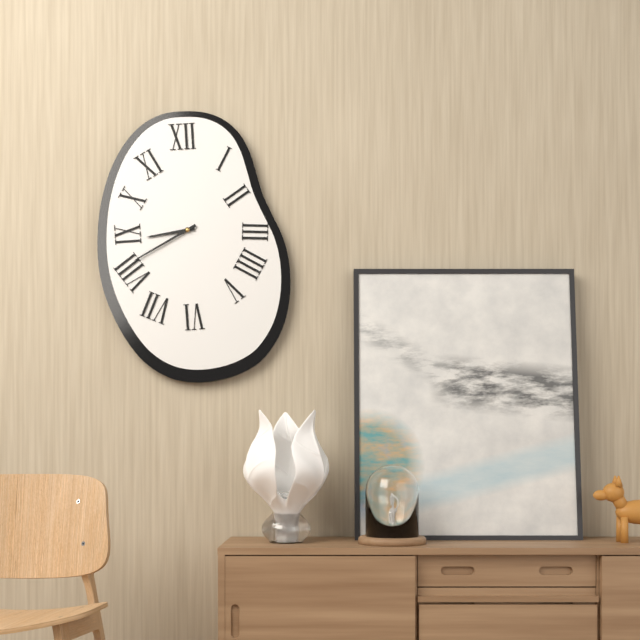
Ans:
h=8 m=40
